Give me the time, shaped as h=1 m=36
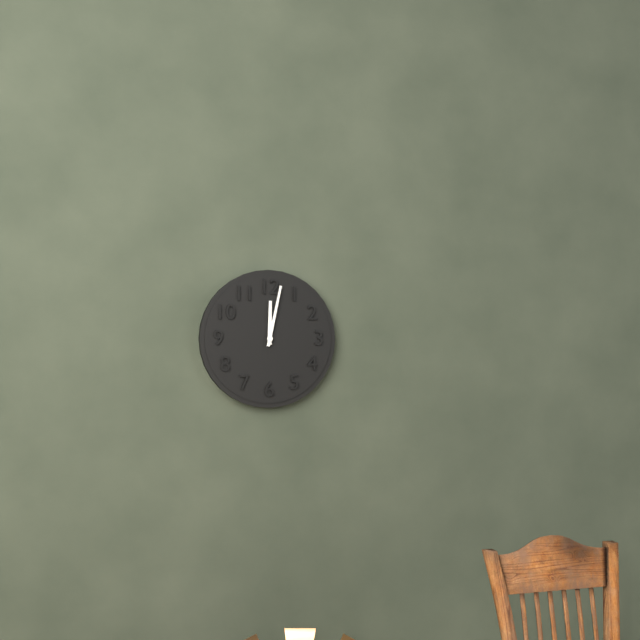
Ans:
h=12 m=2
